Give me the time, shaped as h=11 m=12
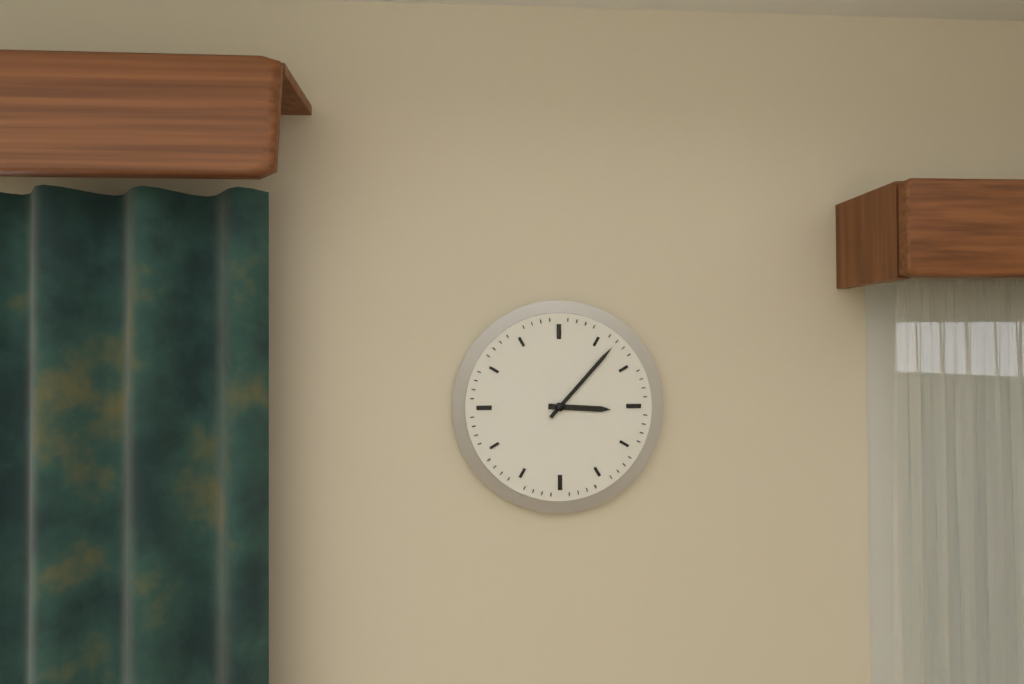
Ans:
h=3 m=7
